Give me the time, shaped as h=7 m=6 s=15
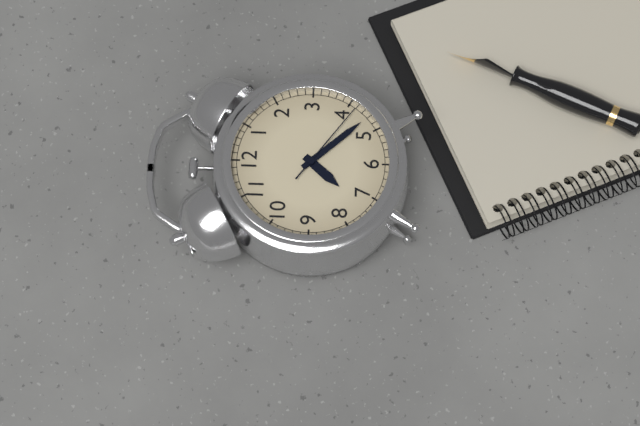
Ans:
h=7 m=23 s=21
